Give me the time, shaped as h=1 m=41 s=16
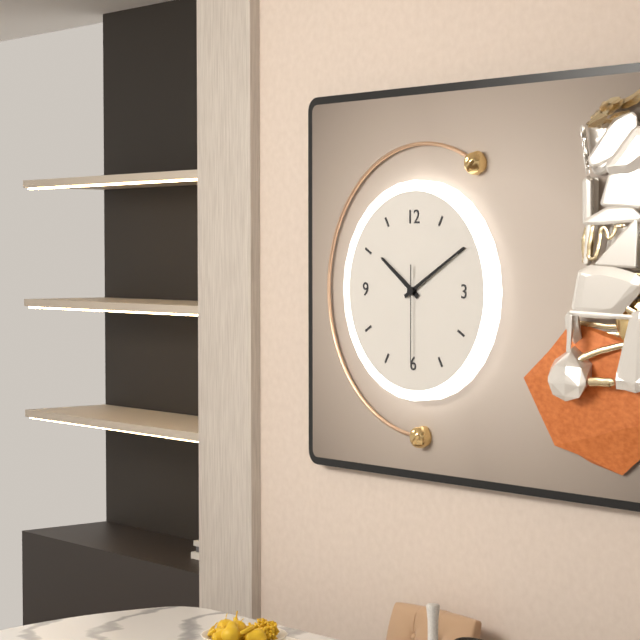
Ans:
h=10 m=10 s=30
